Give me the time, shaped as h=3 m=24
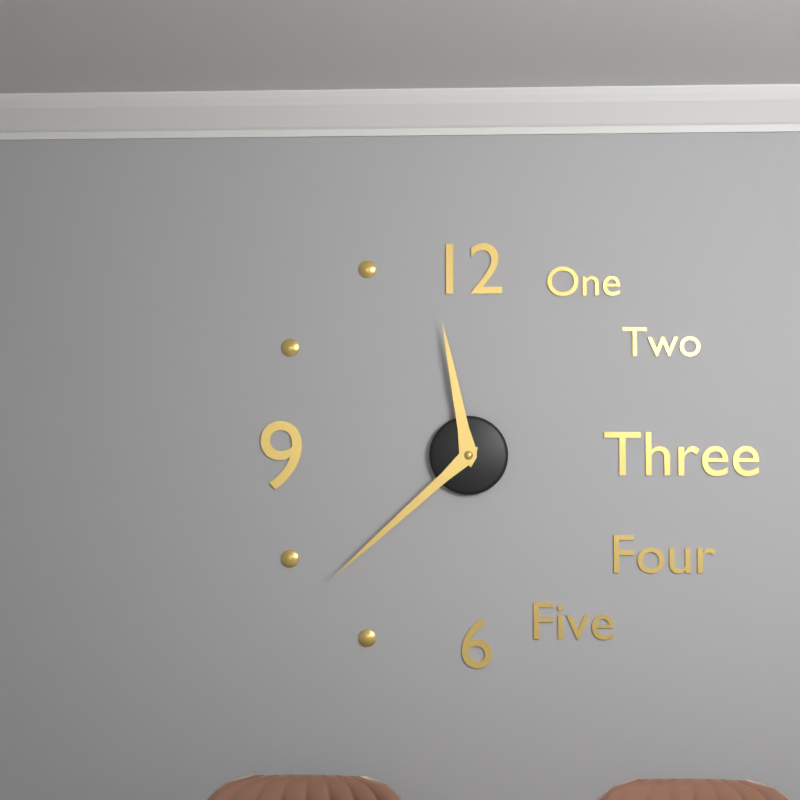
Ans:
h=11 m=38
